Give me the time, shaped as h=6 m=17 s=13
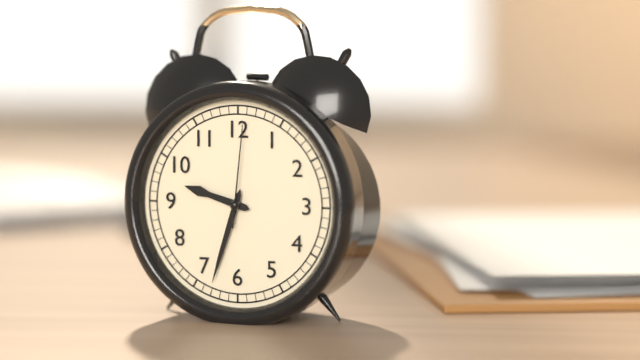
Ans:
h=9 m=33 s=1
